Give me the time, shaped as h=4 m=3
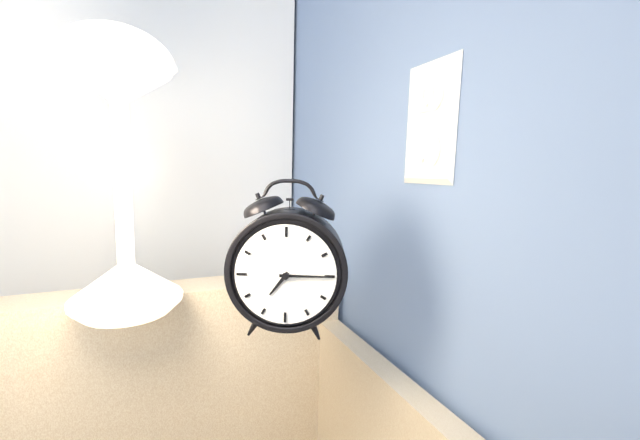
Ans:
h=7 m=15
